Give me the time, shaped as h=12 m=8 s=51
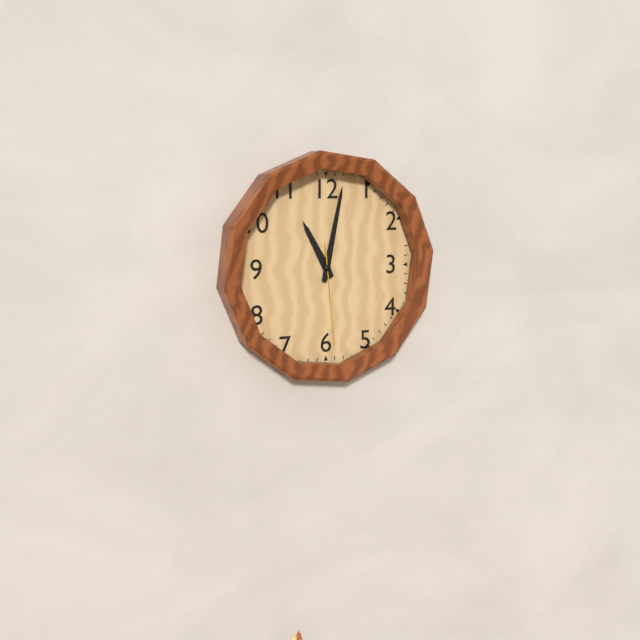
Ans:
h=11 m=2 s=29
